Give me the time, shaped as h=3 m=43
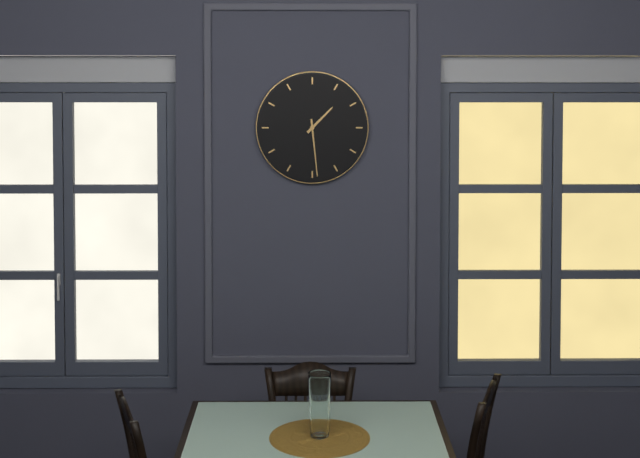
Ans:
h=1 m=29
